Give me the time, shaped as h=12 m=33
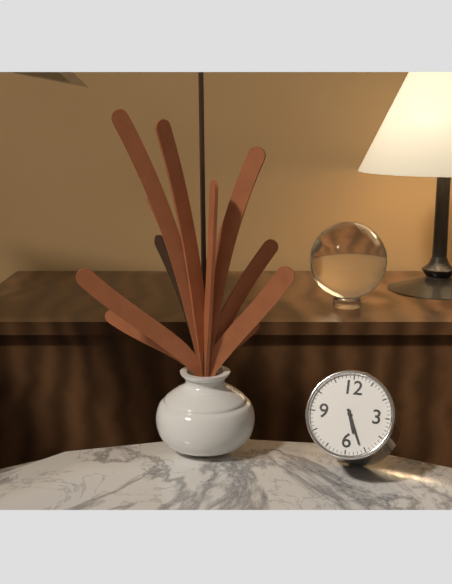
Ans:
h=5 m=26
